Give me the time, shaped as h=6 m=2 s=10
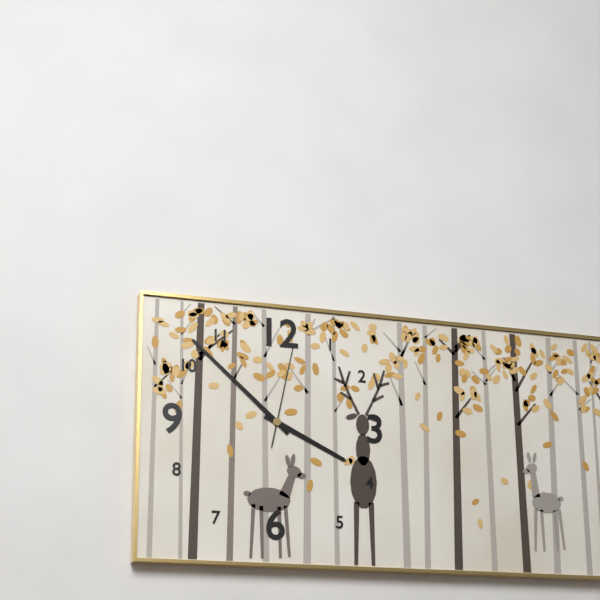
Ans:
h=3 m=52 s=2
